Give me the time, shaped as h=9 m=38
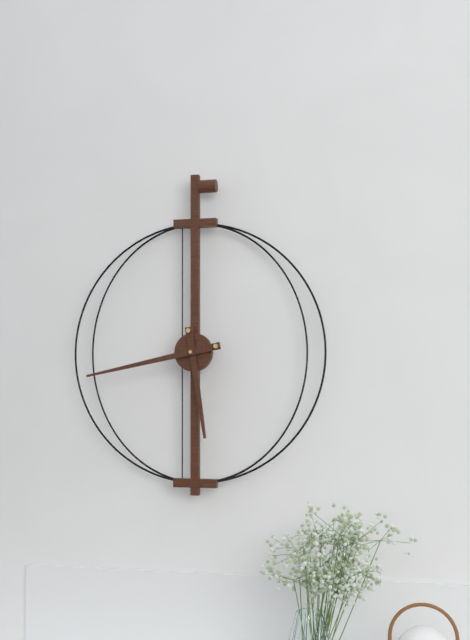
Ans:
h=5 m=43
